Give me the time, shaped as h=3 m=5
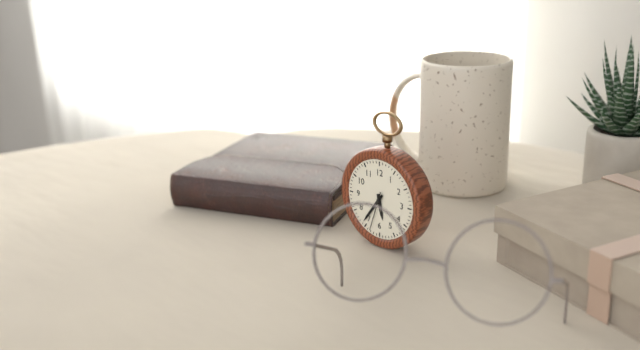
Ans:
h=5 m=36
